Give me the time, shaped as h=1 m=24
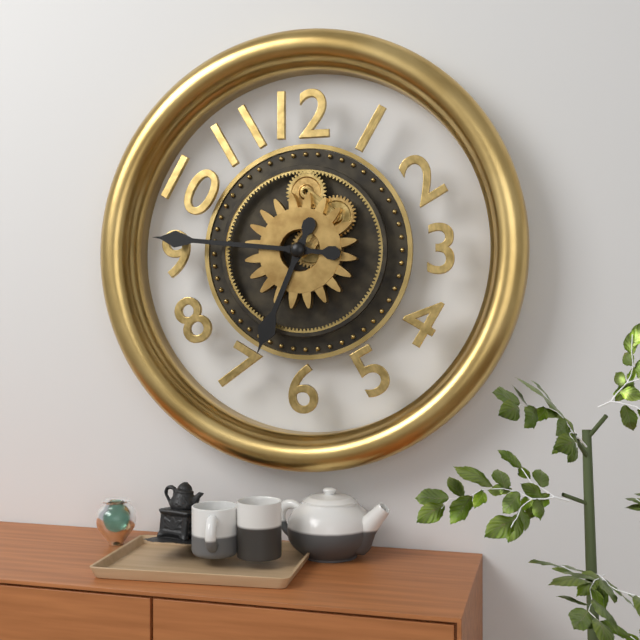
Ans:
h=6 m=46
